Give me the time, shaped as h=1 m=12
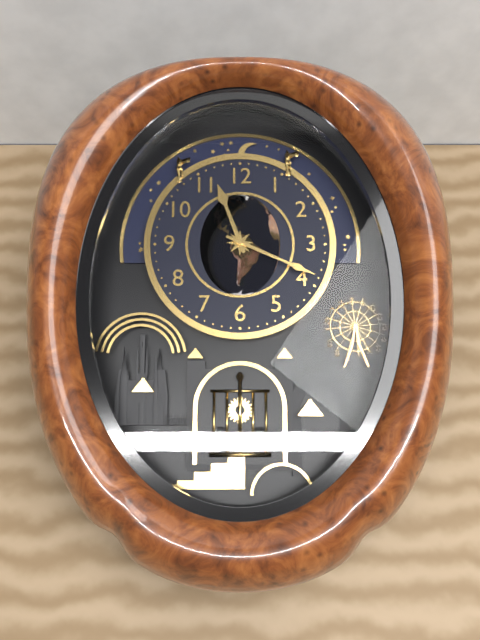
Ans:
h=11 m=19
